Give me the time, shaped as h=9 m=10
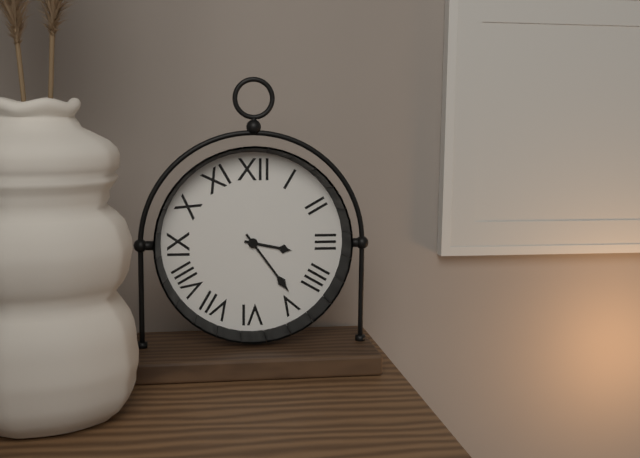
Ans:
h=3 m=24
